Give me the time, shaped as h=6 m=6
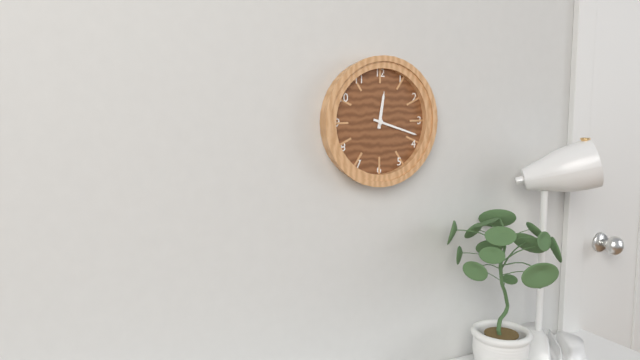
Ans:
h=12 m=18
